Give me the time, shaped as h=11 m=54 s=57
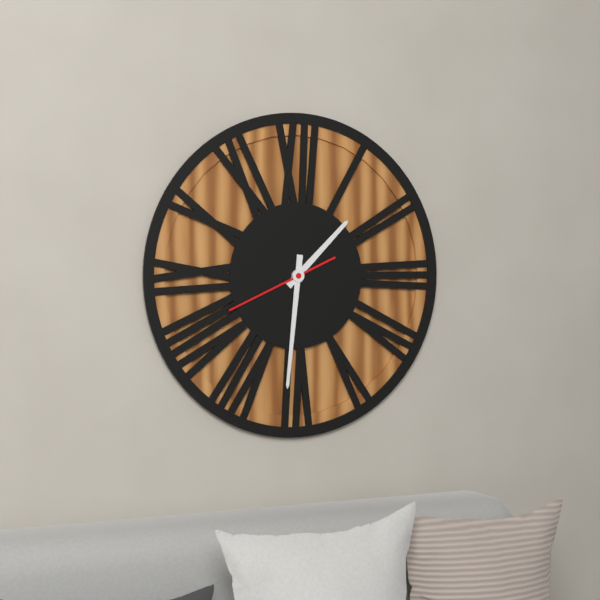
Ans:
h=1 m=31 s=41
